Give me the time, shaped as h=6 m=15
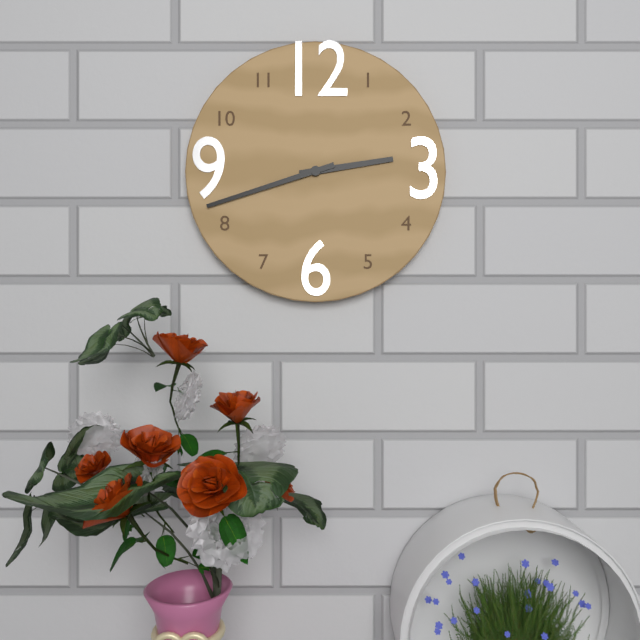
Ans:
h=2 m=42
